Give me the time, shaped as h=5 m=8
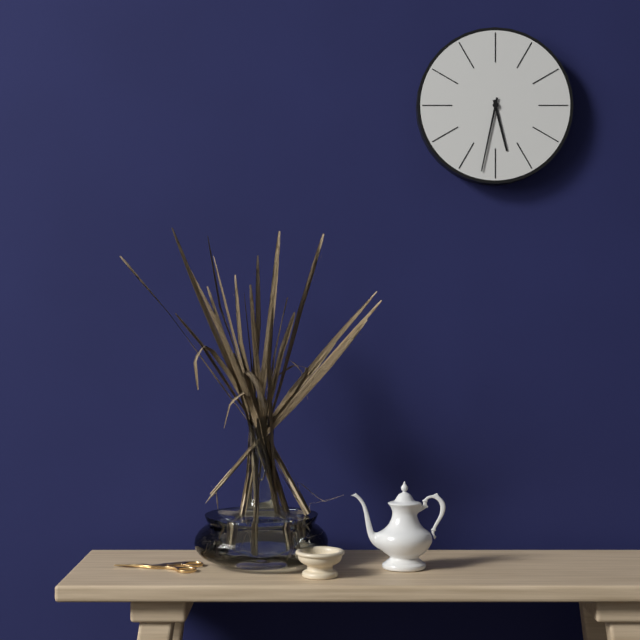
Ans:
h=5 m=32
